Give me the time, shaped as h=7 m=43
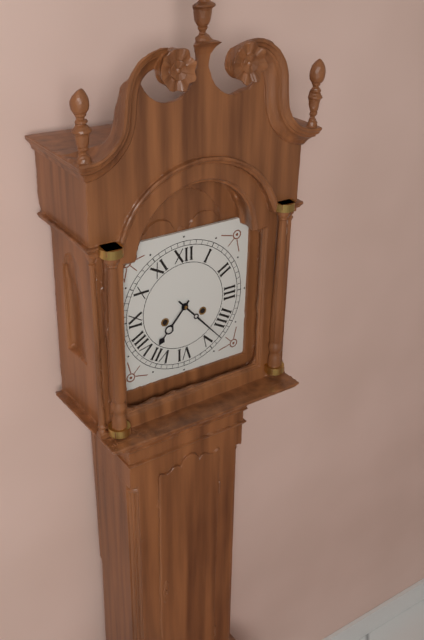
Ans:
h=7 m=23
